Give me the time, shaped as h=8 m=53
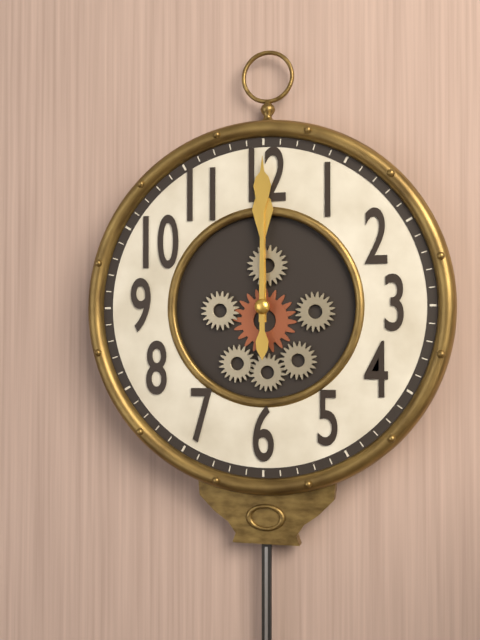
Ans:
h=12 m=0
